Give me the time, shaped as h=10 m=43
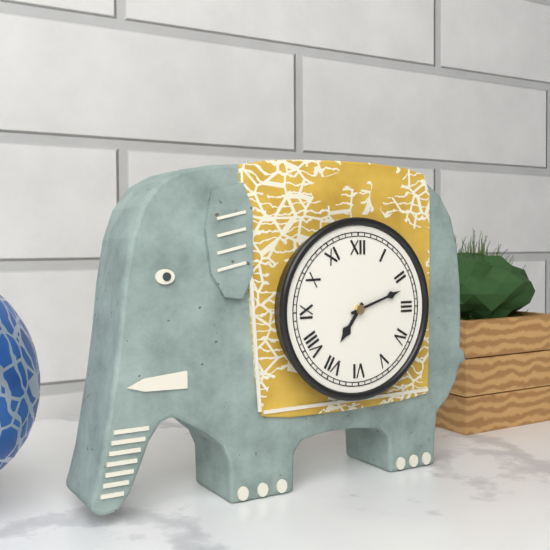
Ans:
h=7 m=12
